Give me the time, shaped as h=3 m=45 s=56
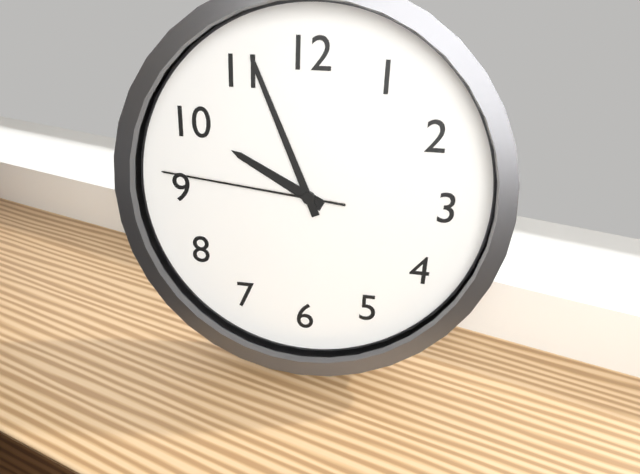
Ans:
h=9 m=56 s=46
